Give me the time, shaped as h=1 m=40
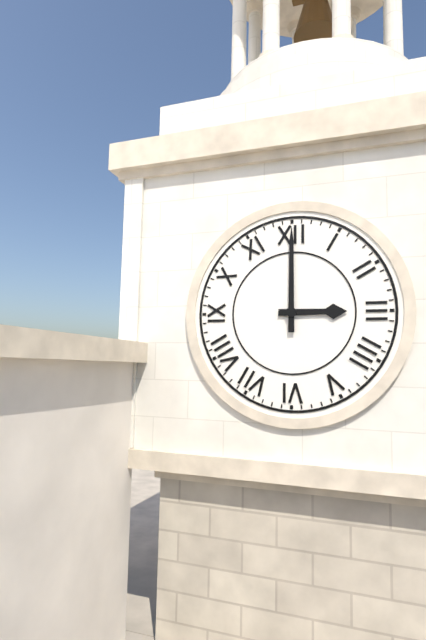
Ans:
h=3 m=0
